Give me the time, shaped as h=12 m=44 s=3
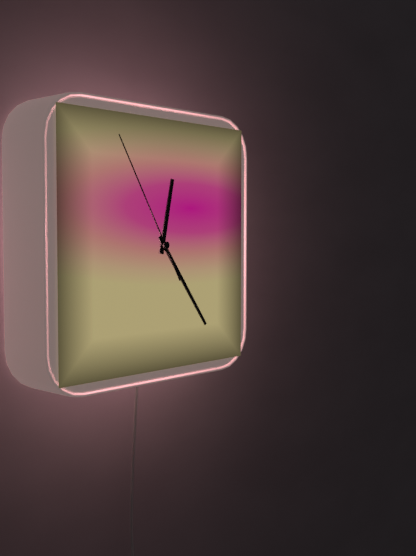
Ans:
h=12 m=24 s=55
